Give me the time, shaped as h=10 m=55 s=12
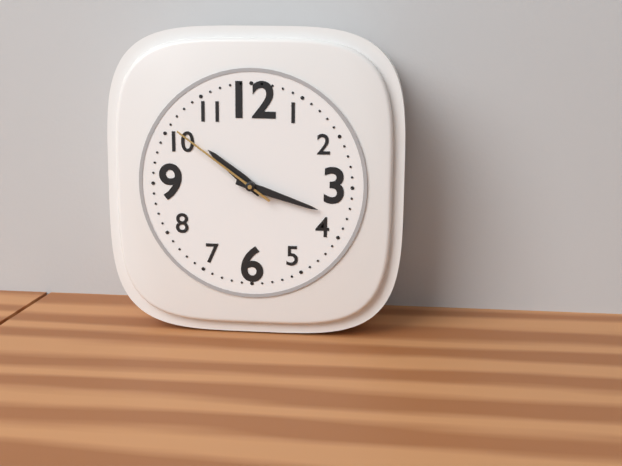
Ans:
h=10 m=18 s=51
